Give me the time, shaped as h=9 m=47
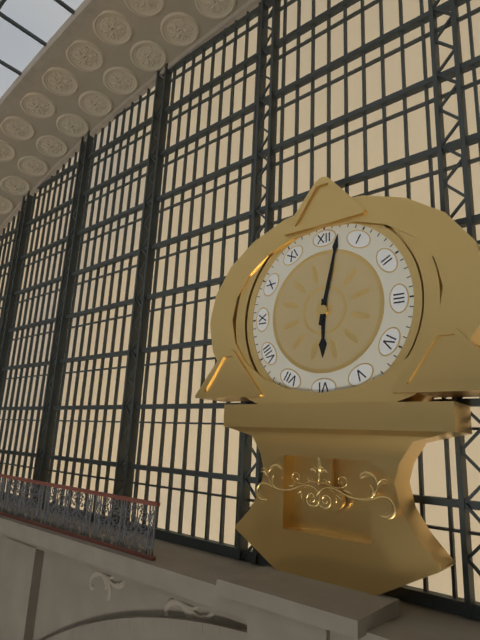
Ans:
h=6 m=2
